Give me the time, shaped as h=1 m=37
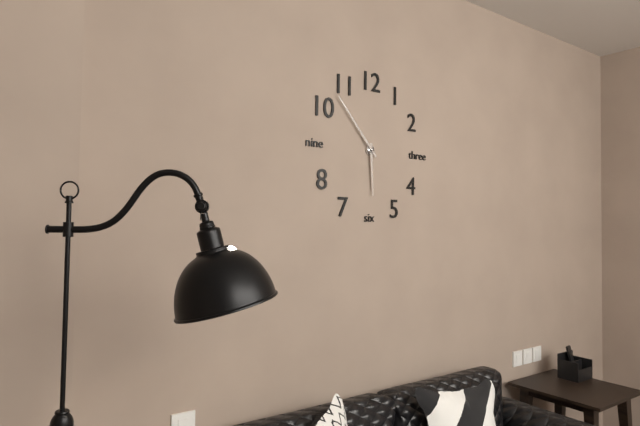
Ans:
h=5 m=53
